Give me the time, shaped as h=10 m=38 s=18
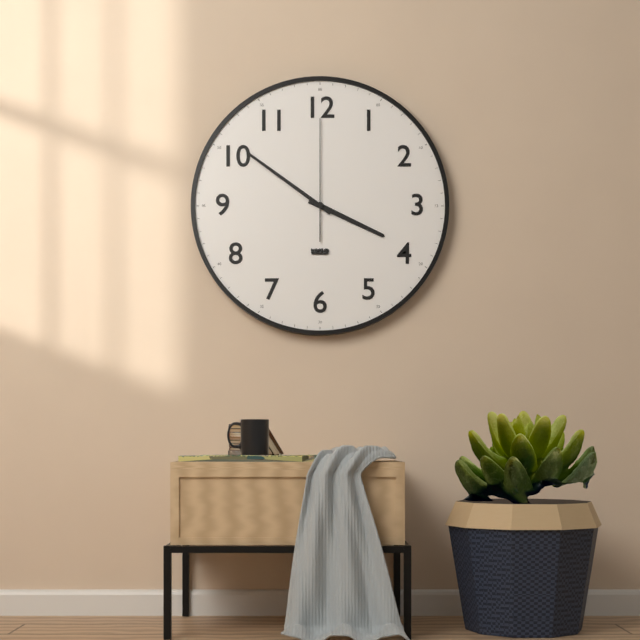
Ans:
h=3 m=51 s=0
